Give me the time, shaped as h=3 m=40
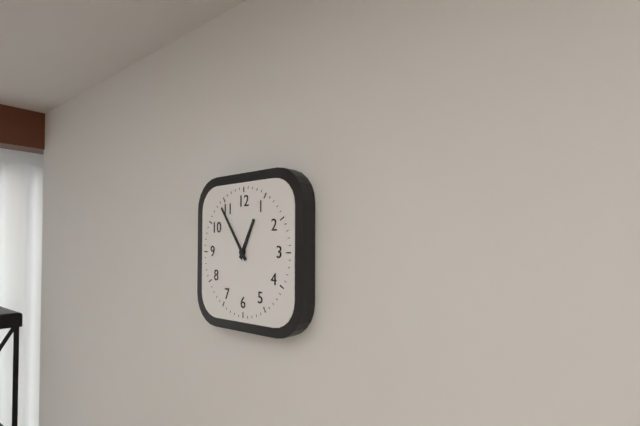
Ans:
h=12 m=54
